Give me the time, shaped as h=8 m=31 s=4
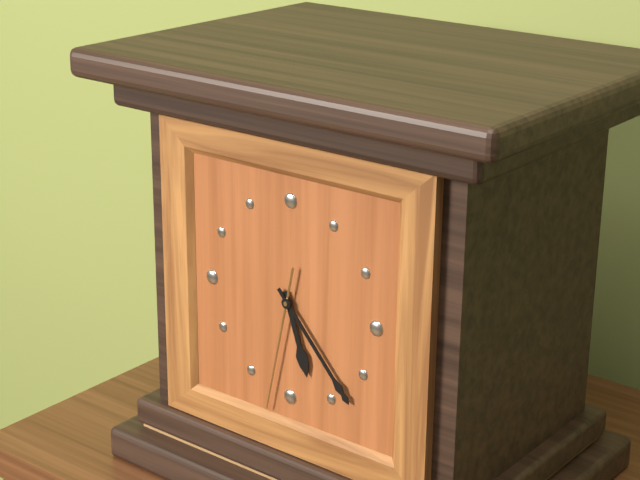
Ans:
h=5 m=23 s=32
